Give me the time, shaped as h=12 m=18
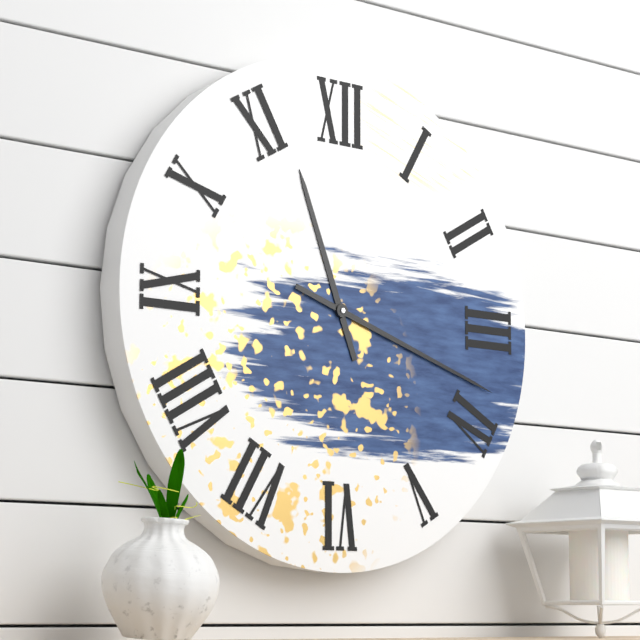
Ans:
h=11 m=18
